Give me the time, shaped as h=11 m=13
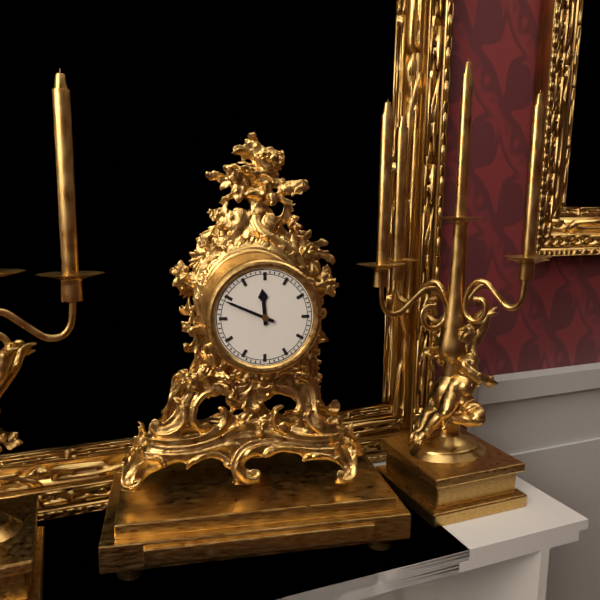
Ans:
h=11 m=49
